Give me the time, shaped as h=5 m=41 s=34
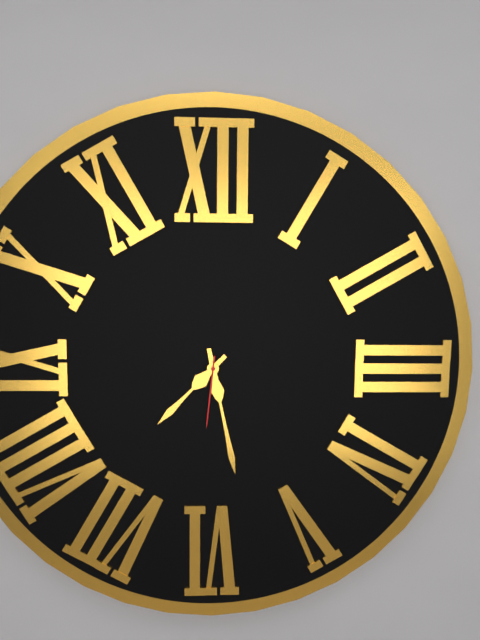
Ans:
h=7 m=28 s=31
